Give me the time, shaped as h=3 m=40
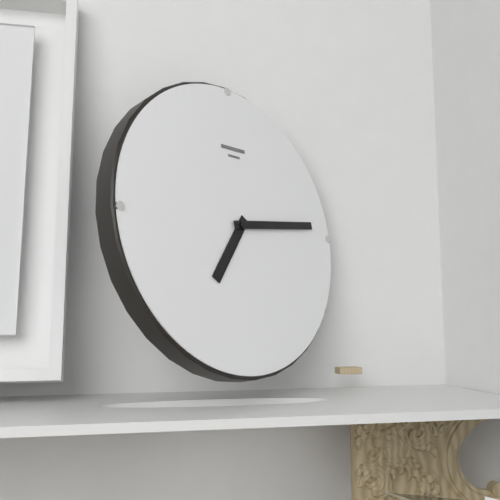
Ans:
h=7 m=14
